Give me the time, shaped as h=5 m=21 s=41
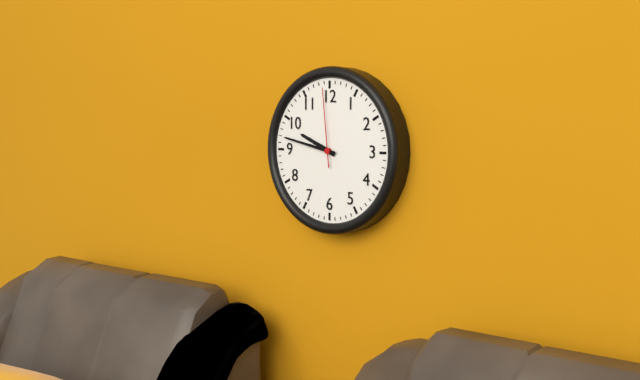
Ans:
h=9 m=47 s=59
